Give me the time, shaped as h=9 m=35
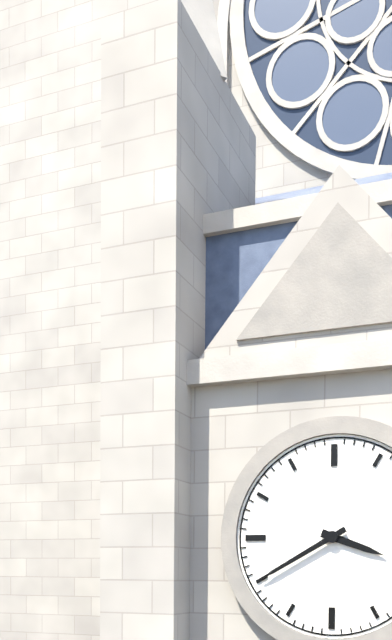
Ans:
h=3 m=40
